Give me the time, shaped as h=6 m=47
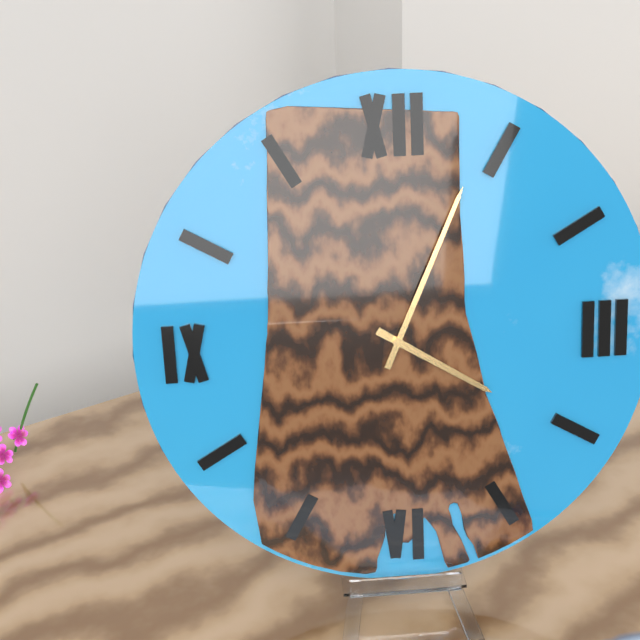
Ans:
h=4 m=4
